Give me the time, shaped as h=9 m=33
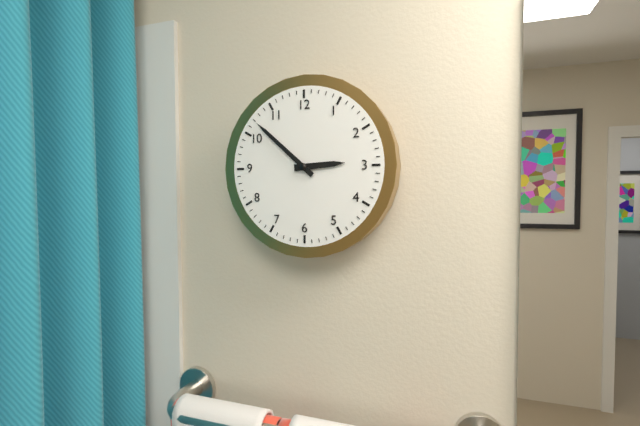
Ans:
h=2 m=52
